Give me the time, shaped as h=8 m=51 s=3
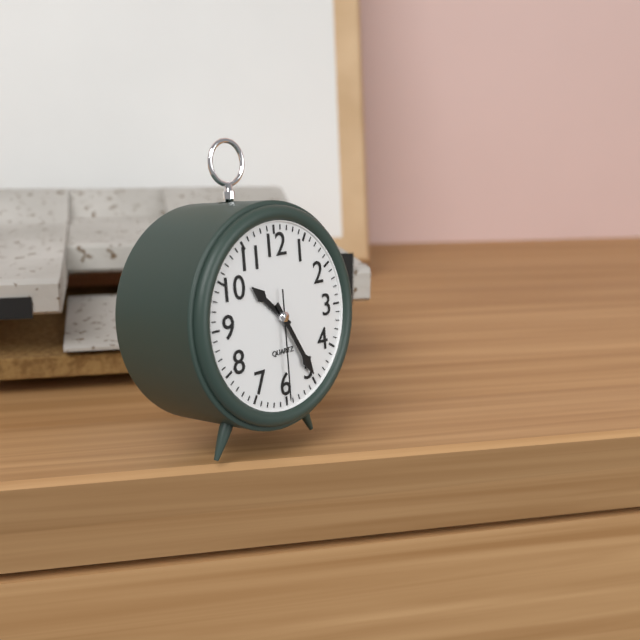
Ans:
h=10 m=25 s=30
